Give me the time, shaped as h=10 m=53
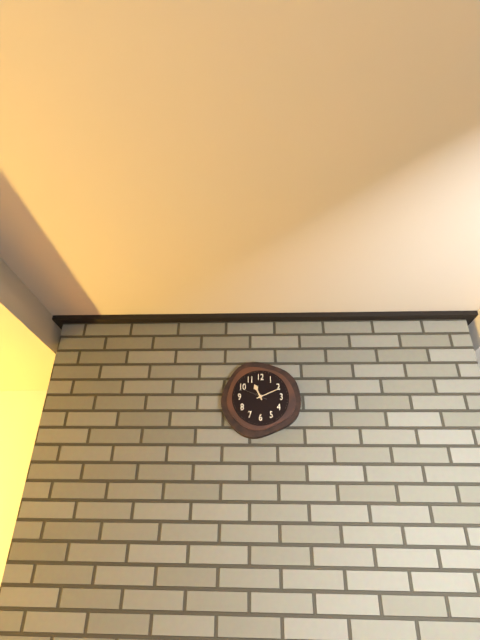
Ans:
h=11 m=11
